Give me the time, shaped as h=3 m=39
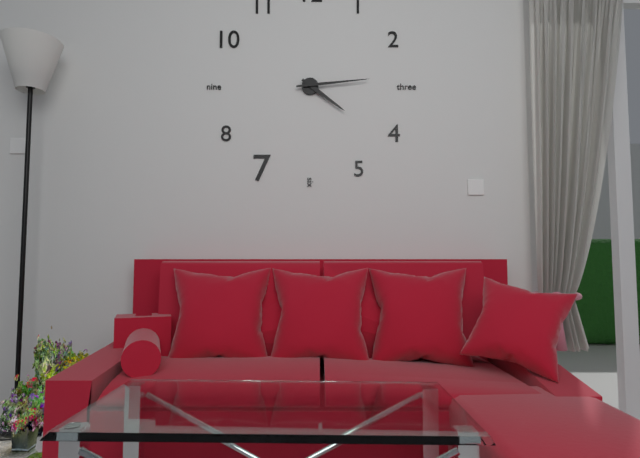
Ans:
h=4 m=14
